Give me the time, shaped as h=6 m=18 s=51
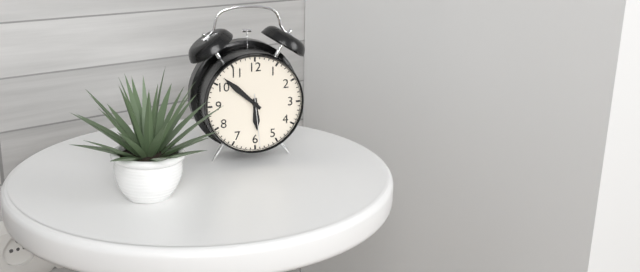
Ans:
h=5 m=52 s=29
